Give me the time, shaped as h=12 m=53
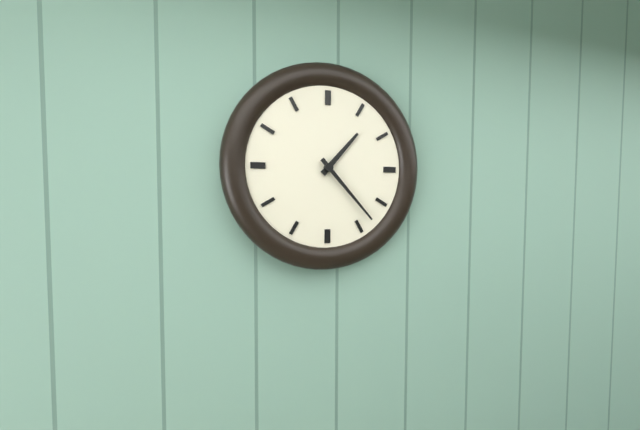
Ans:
h=1 m=23
